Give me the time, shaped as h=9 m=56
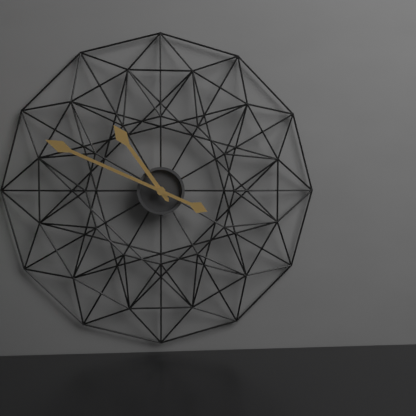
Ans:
h=10 m=49
